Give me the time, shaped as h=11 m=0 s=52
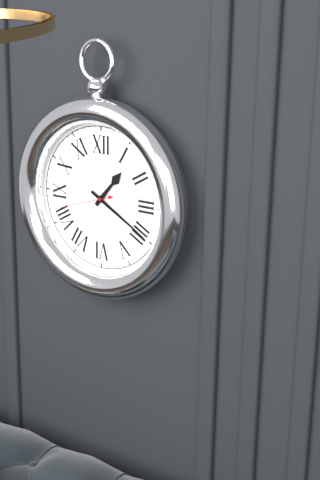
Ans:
h=1 m=20 s=42
